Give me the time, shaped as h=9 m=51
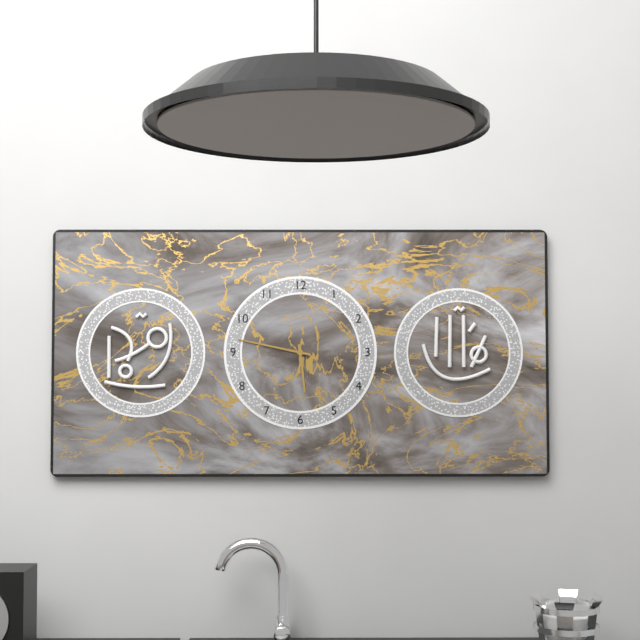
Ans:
h=5 m=47
